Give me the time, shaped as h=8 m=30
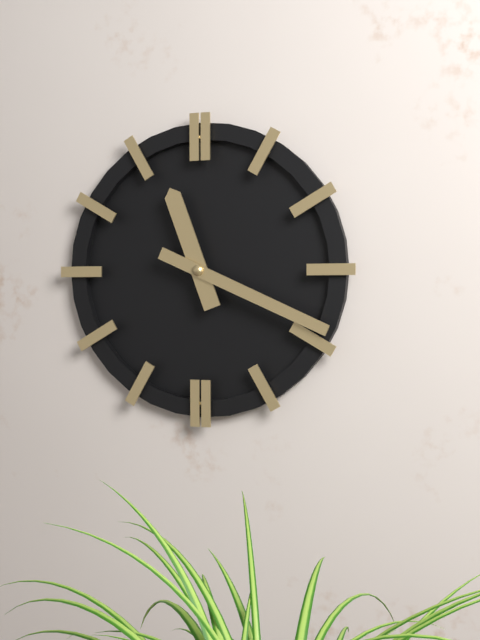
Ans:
h=11 m=19
